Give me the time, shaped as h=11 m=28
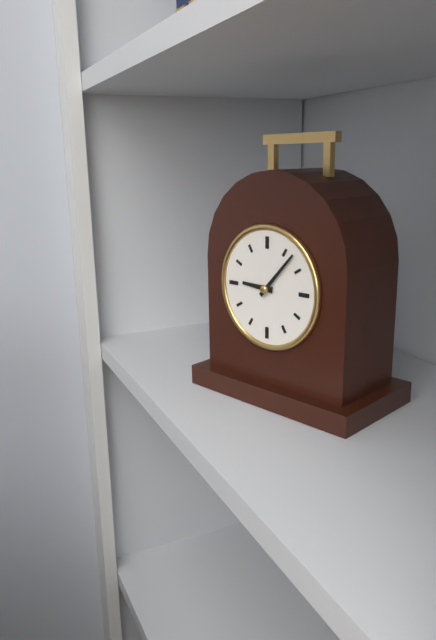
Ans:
h=9 m=7
